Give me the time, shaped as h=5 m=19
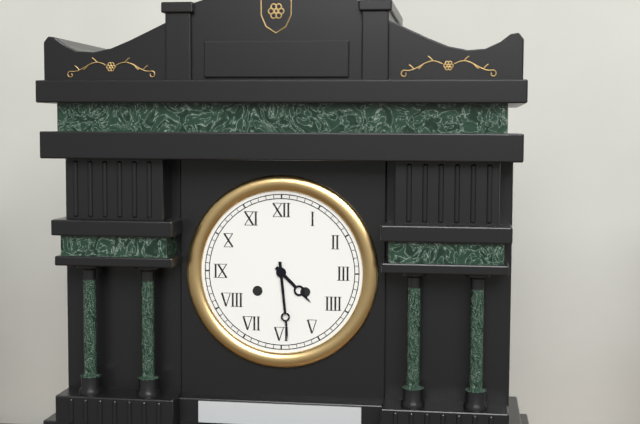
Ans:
h=4 m=29
